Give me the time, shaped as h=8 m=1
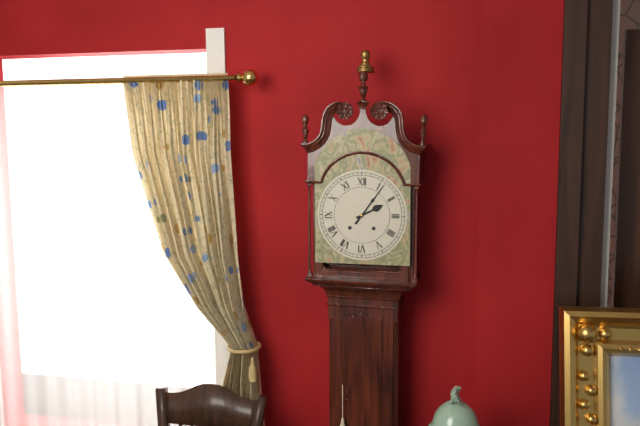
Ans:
h=2 m=6
